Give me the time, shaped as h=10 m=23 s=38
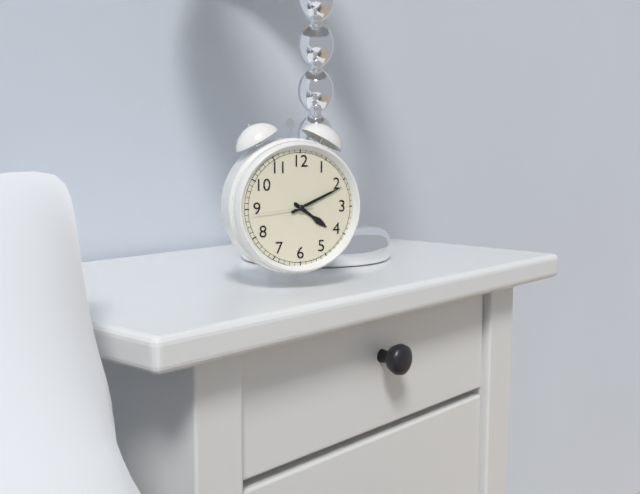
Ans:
h=4 m=11 s=44
